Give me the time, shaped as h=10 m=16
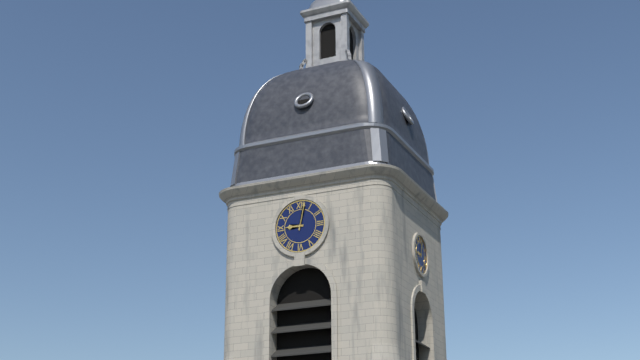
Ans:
h=9 m=2
